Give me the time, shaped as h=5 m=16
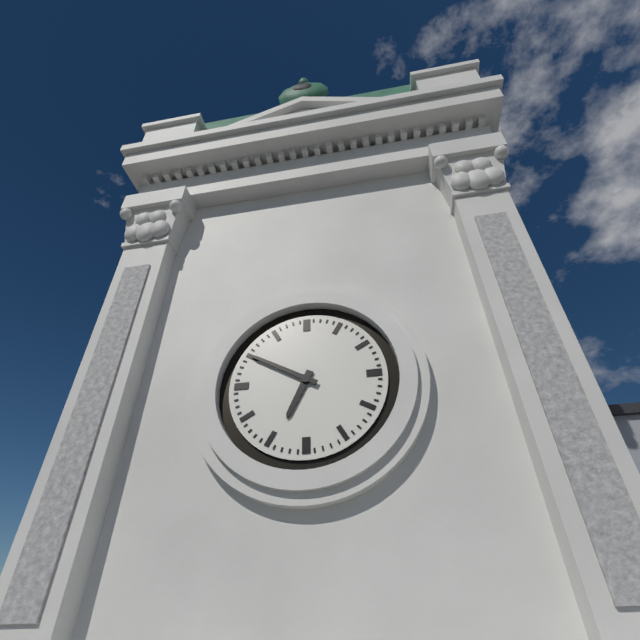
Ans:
h=6 m=50
